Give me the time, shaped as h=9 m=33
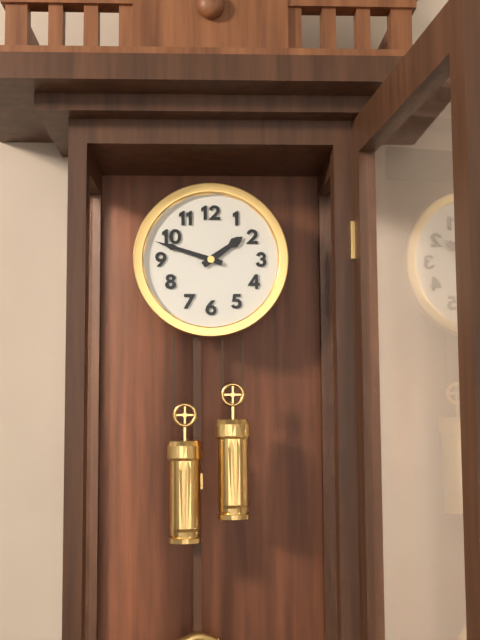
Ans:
h=1 m=48
